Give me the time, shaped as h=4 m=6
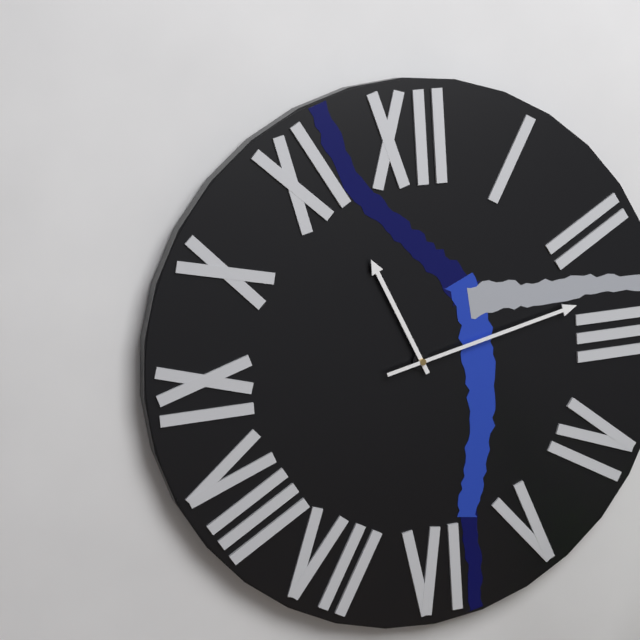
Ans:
h=11 m=13
